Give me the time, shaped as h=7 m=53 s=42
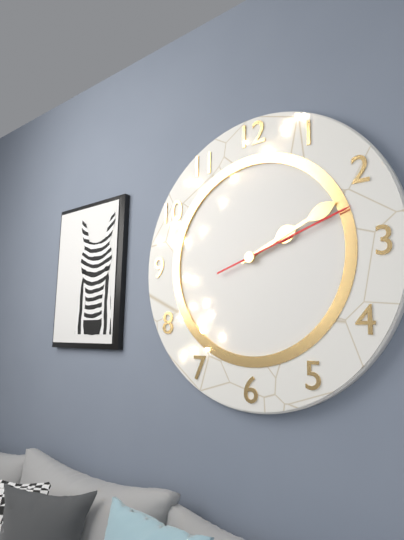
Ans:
h=2 m=11 s=12
